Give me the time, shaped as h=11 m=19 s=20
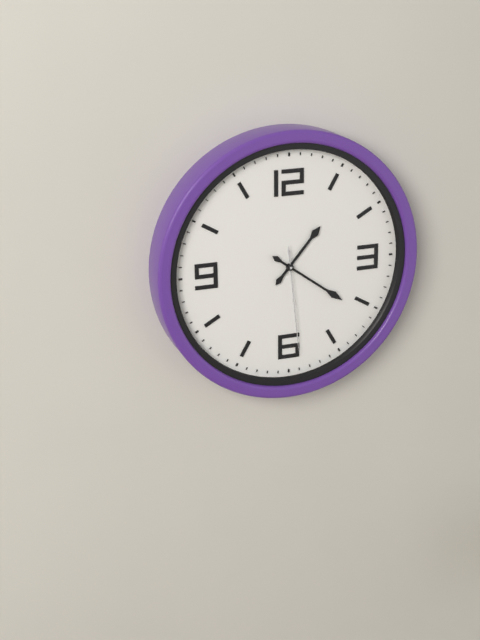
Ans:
h=1 m=21 s=29
